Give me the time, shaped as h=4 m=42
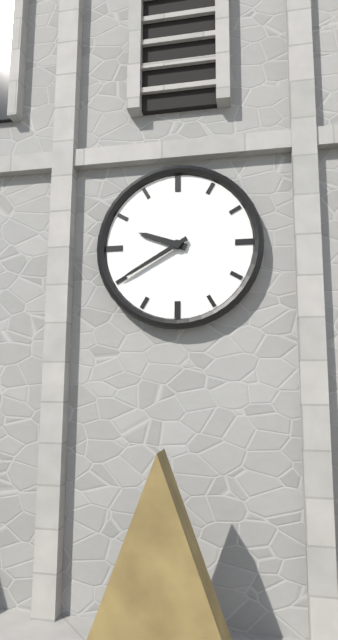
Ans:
h=9 m=40
